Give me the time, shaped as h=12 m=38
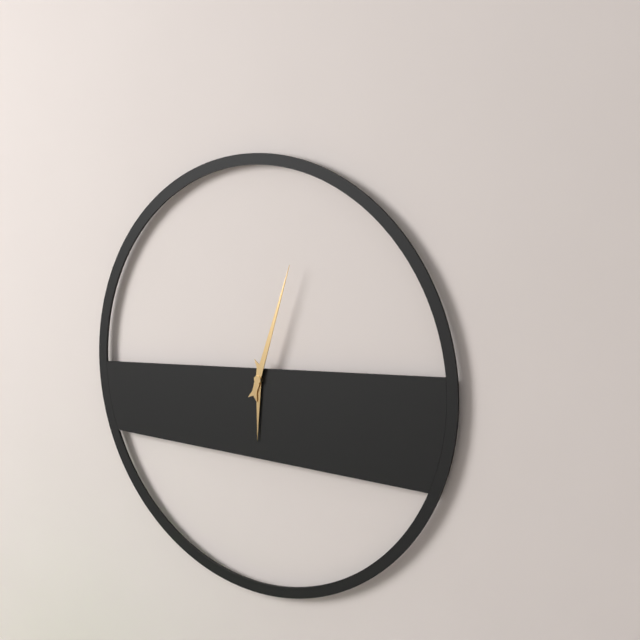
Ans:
h=6 m=3
